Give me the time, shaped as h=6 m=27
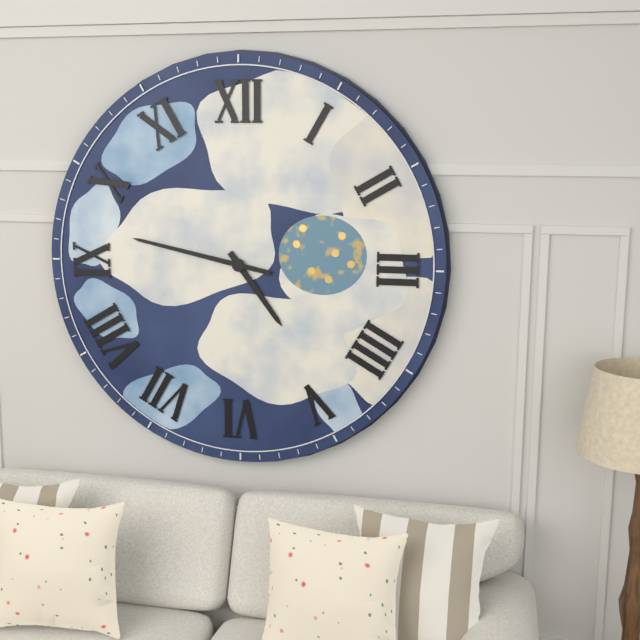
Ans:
h=4 m=47
